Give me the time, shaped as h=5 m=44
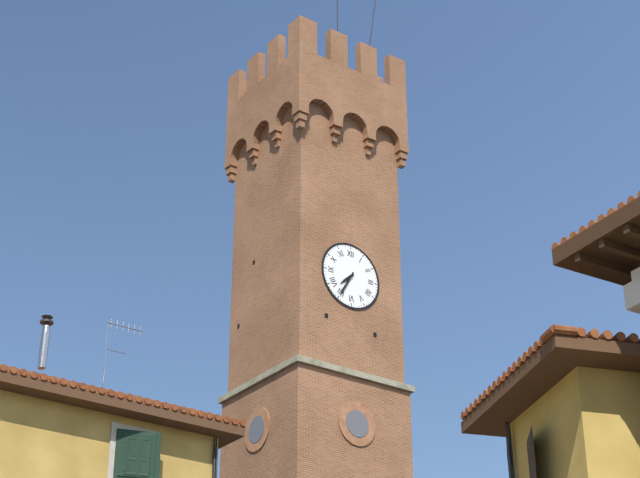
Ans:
h=7 m=35
